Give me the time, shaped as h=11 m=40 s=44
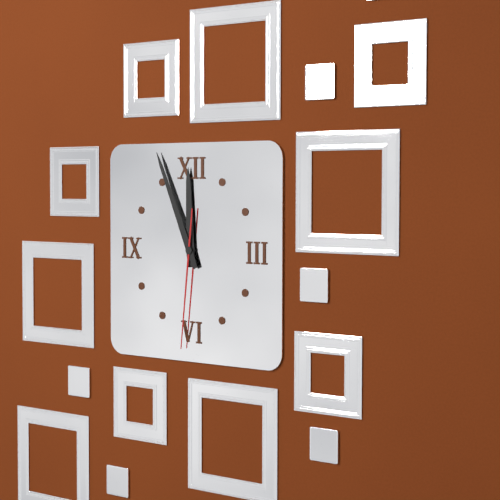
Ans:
h=11 m=56 s=31
